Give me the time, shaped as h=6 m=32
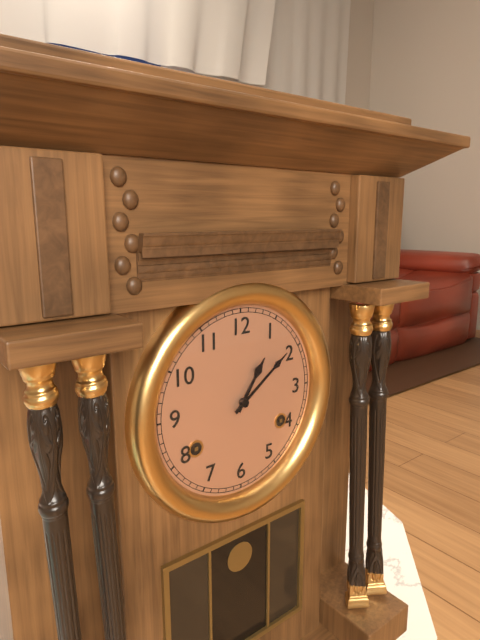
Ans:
h=1 m=9
